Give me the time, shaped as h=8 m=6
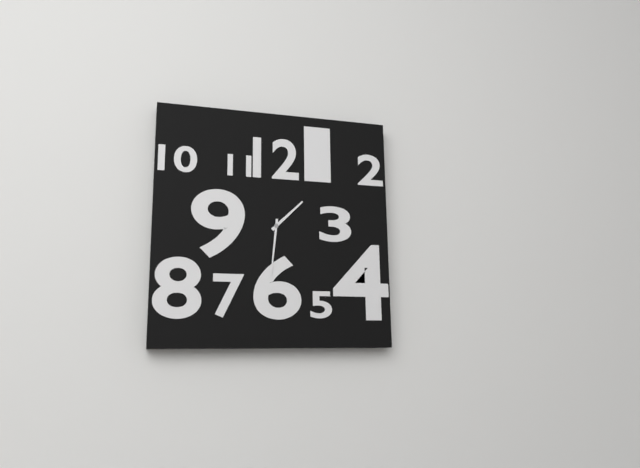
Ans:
h=1 m=31
